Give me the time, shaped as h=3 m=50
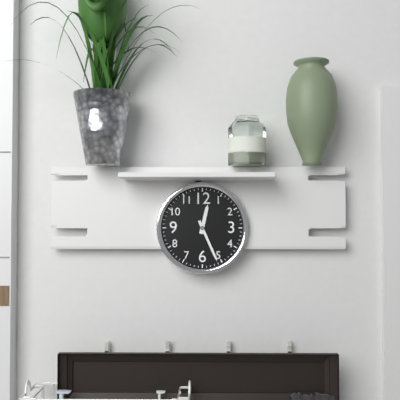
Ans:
h=12 m=26
